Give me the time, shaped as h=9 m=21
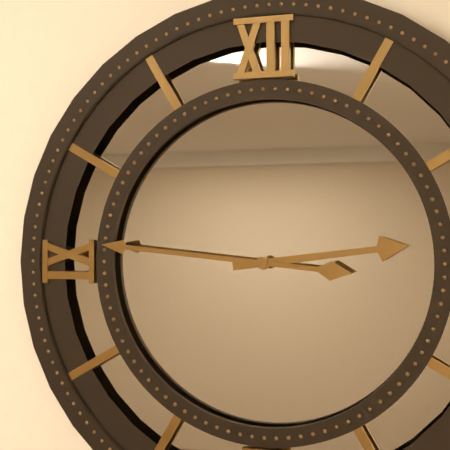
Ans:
h=2 m=46
